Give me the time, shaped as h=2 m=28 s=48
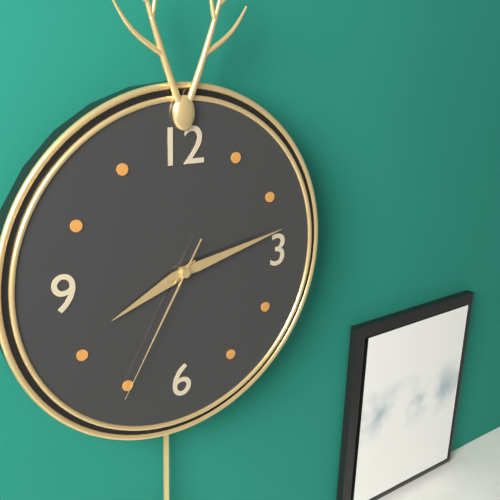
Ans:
h=8 m=13 s=35
